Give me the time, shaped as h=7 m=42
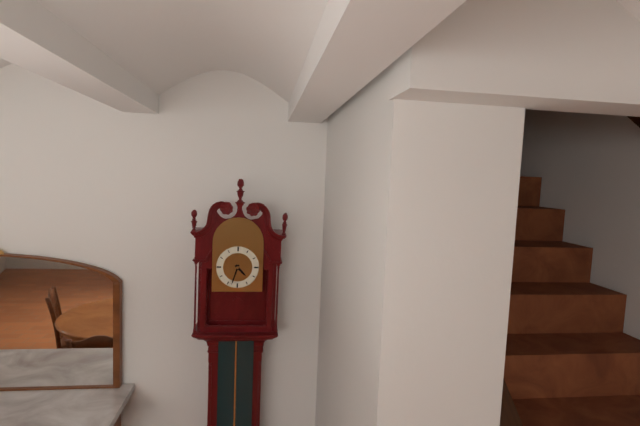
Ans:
h=4 m=33
